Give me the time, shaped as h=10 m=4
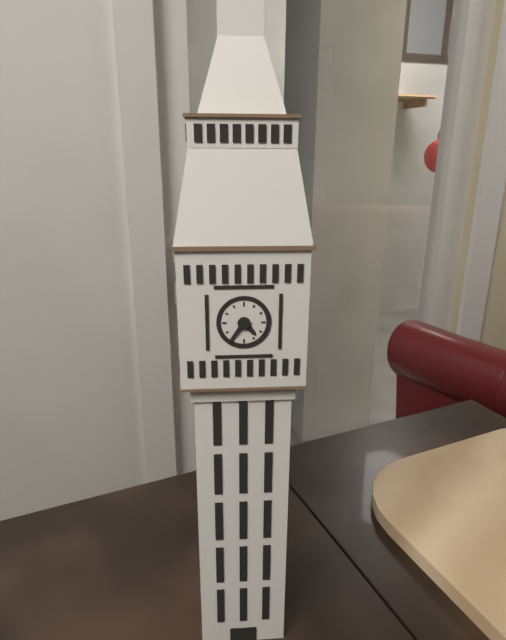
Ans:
h=4 m=36
